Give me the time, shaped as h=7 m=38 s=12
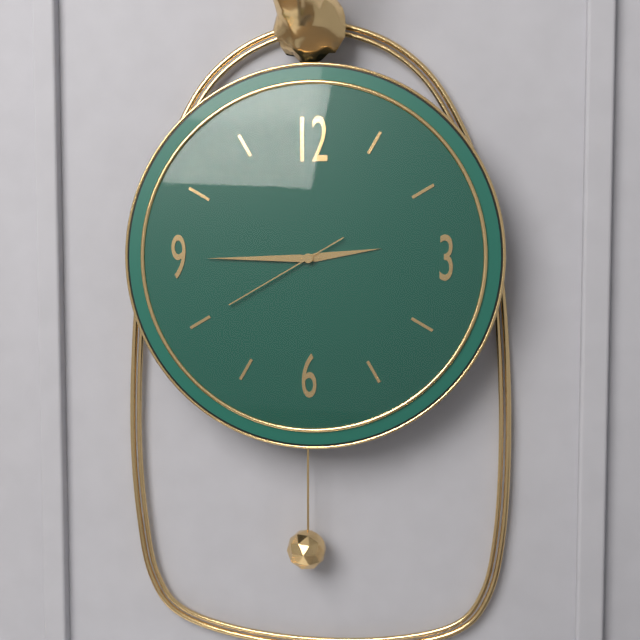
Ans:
h=2 m=45 s=40
